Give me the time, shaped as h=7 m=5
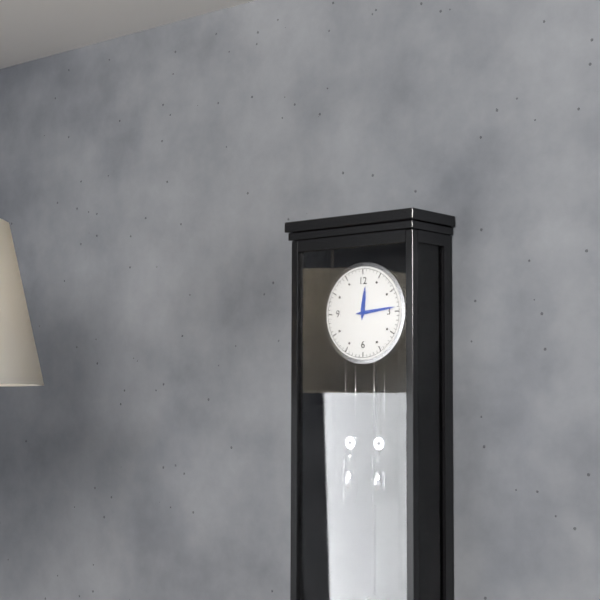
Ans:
h=12 m=14
